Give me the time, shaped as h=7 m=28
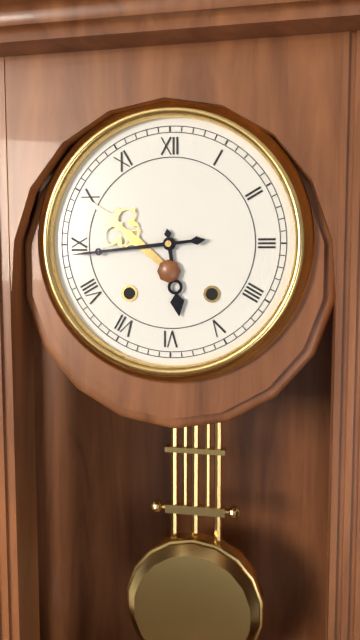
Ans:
h=5 m=44
